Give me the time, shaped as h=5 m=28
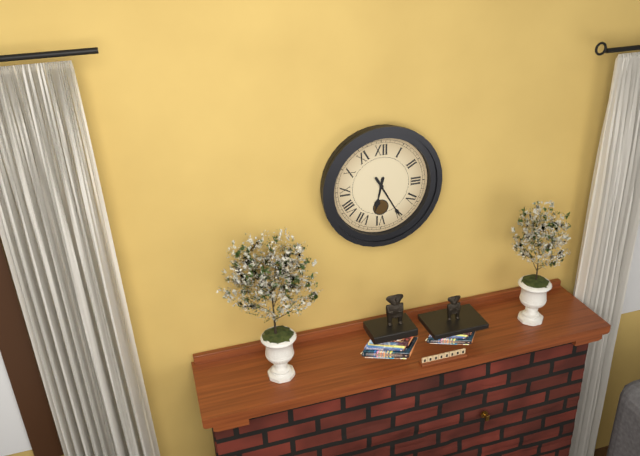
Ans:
h=6 m=25
